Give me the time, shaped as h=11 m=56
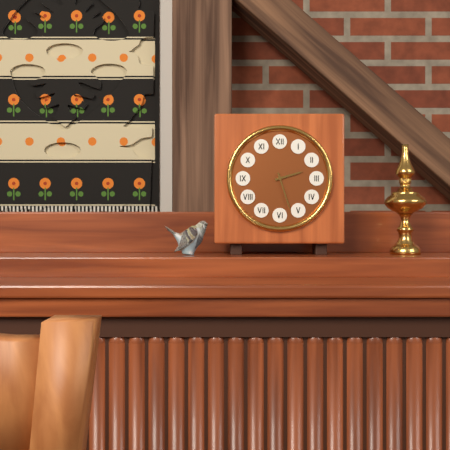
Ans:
h=2 m=27
